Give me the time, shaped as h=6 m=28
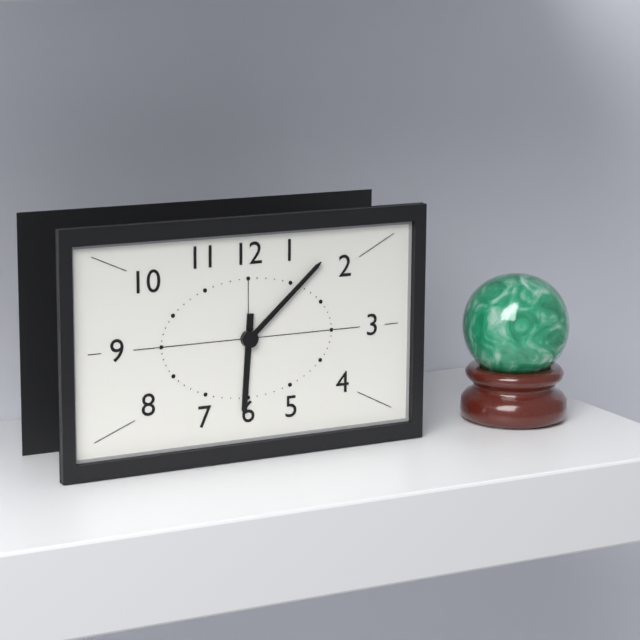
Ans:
h=6 m=8
